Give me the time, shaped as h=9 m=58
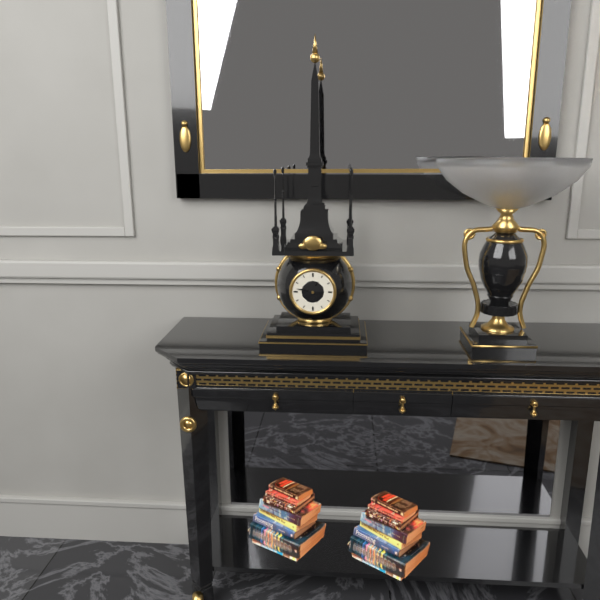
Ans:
h=12 m=47
